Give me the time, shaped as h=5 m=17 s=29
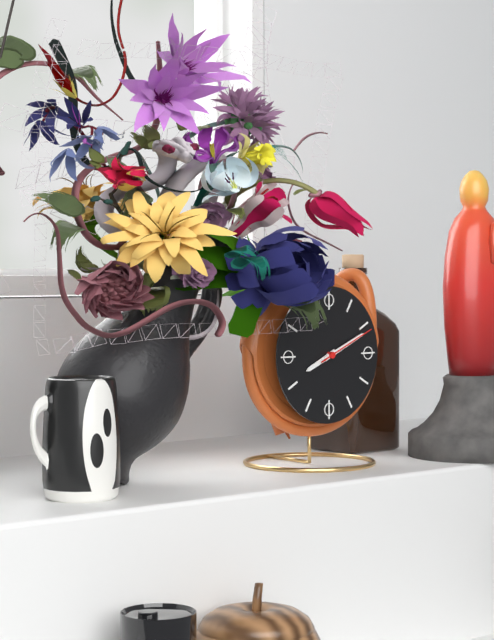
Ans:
h=8 m=11 s=11
